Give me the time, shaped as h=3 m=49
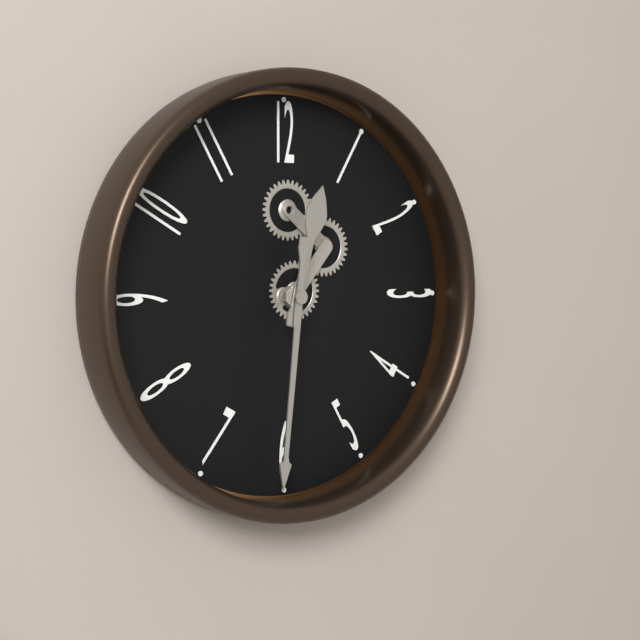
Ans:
h=12 m=31
